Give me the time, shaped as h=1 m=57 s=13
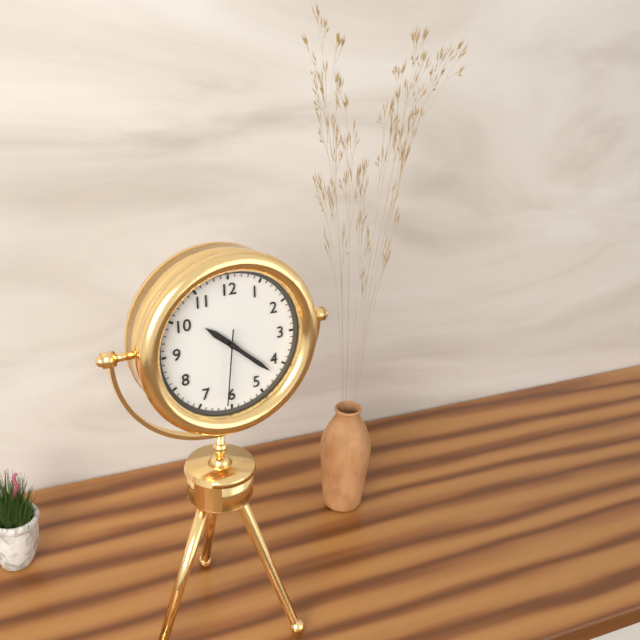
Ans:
h=10 m=22 s=31
